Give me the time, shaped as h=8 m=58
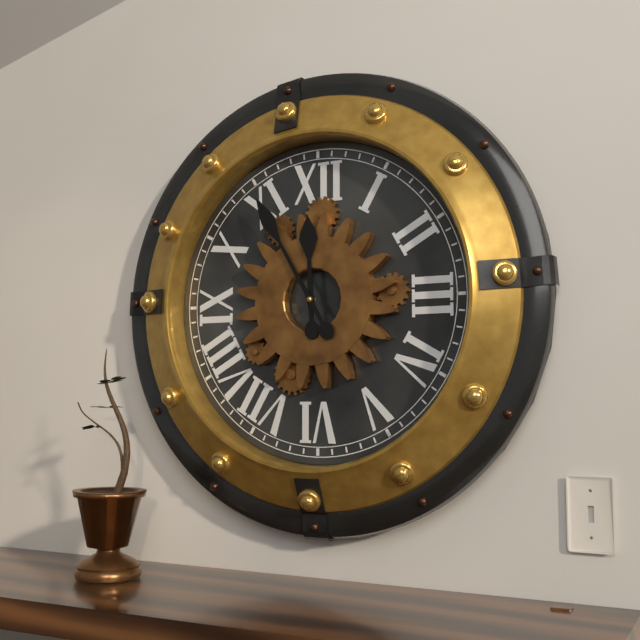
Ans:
h=11 m=55
